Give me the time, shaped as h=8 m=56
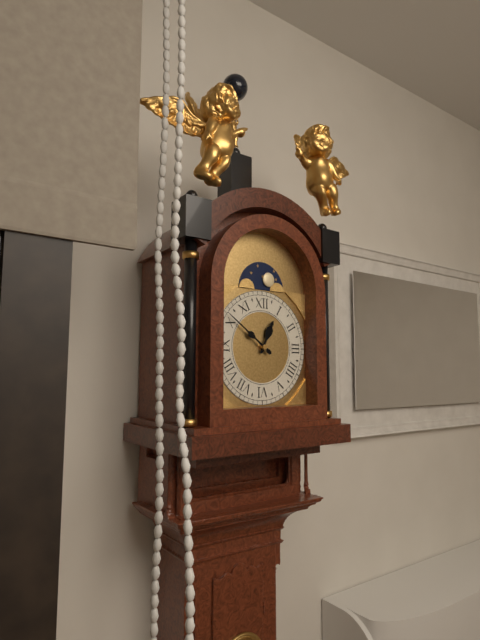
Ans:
h=12 m=51
